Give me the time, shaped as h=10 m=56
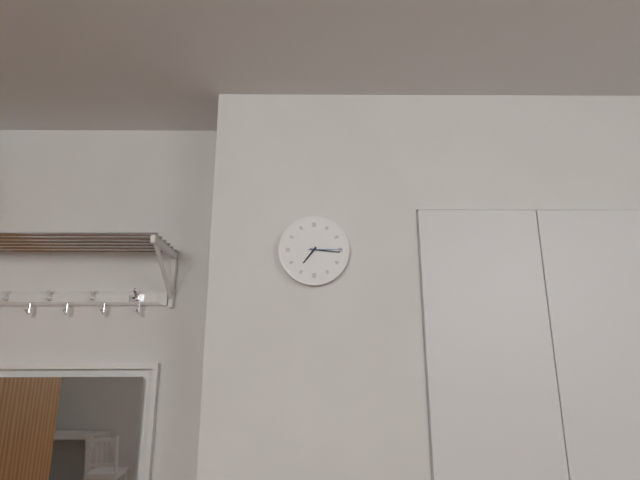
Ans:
h=7 m=16
